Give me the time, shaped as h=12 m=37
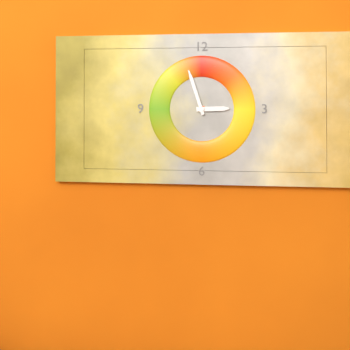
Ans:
h=2 m=57
